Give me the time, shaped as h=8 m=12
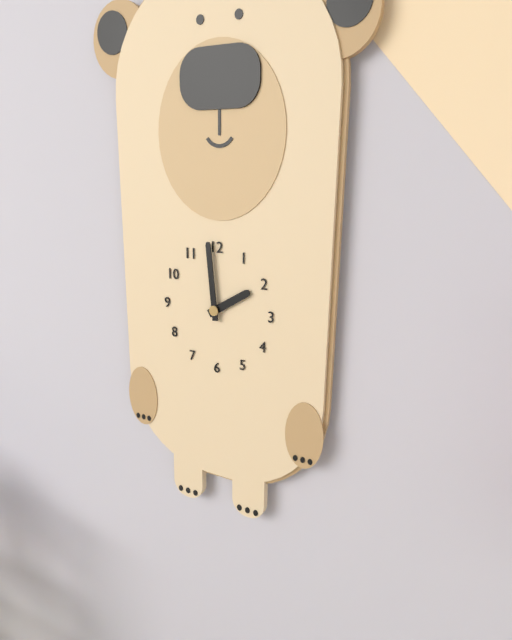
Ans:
h=1 m=59
